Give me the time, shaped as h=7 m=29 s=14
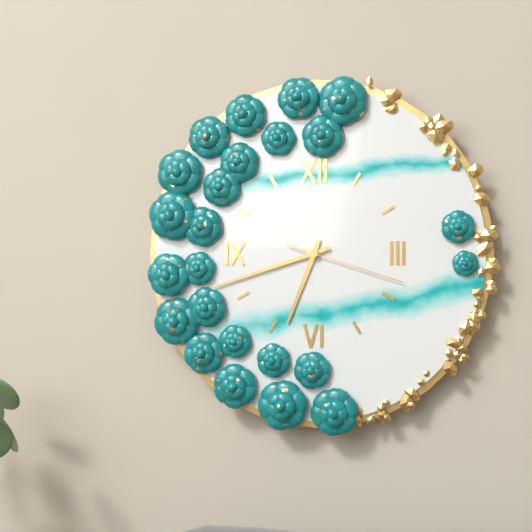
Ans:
h=6 m=42 s=18
